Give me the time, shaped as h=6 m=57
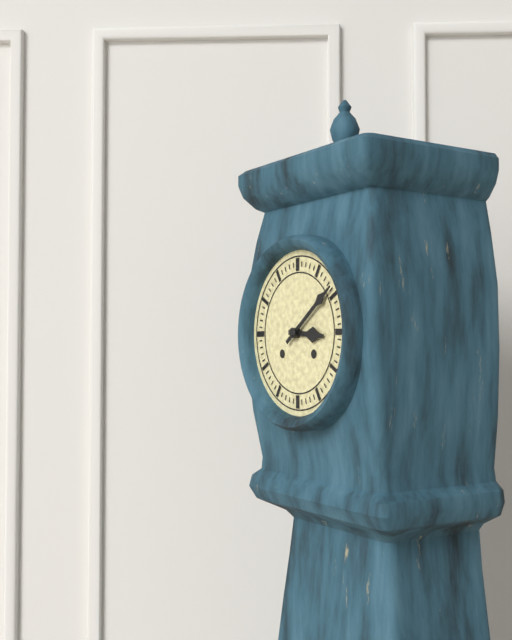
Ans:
h=3 m=9
